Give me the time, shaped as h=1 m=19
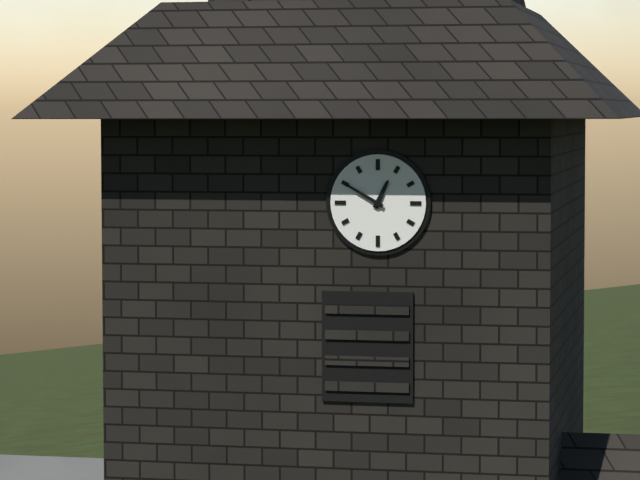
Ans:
h=12 m=50
